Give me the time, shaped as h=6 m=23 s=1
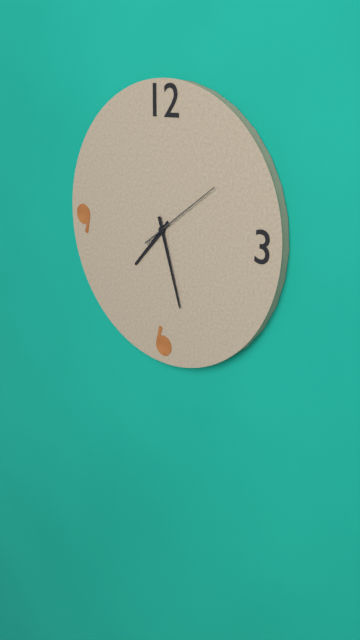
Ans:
h=7 m=27 s=9
